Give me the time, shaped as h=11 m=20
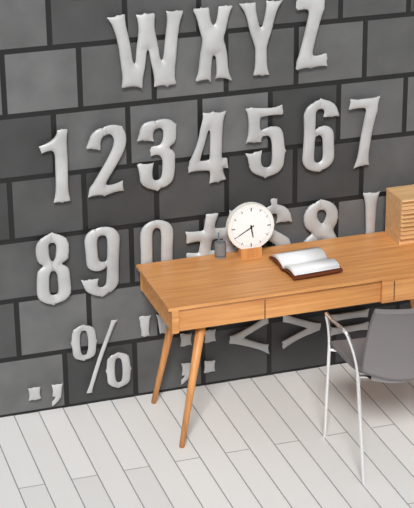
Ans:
h=5 m=40
